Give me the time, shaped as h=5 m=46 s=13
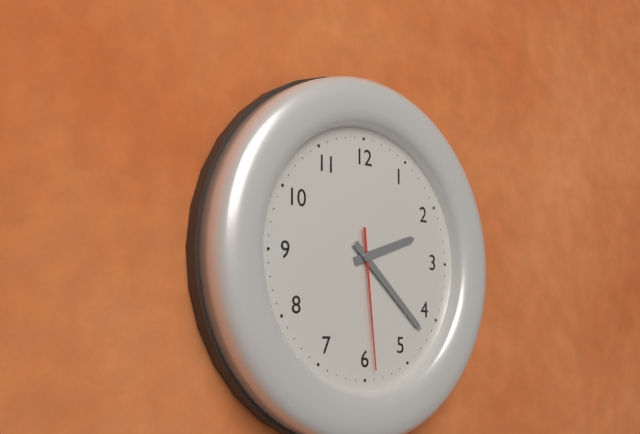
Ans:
h=2 m=22 s=29
